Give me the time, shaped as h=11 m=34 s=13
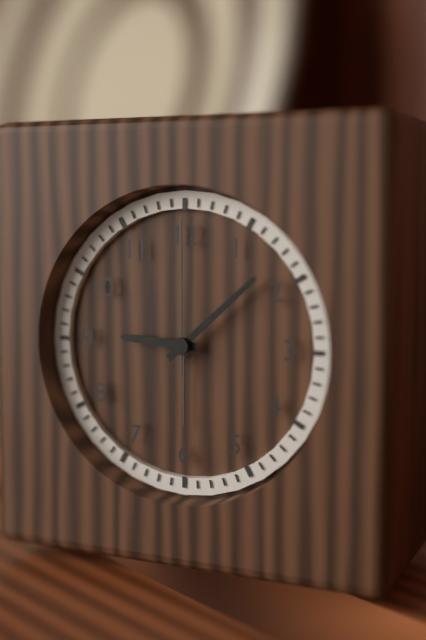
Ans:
h=9 m=8 s=0
